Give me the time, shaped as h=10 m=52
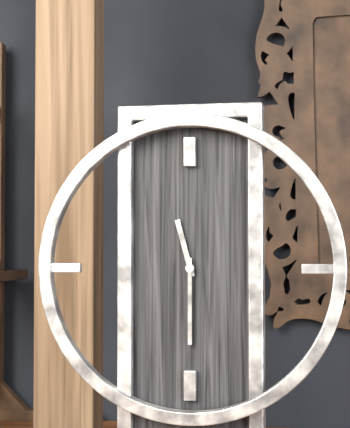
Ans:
h=11 m=30
